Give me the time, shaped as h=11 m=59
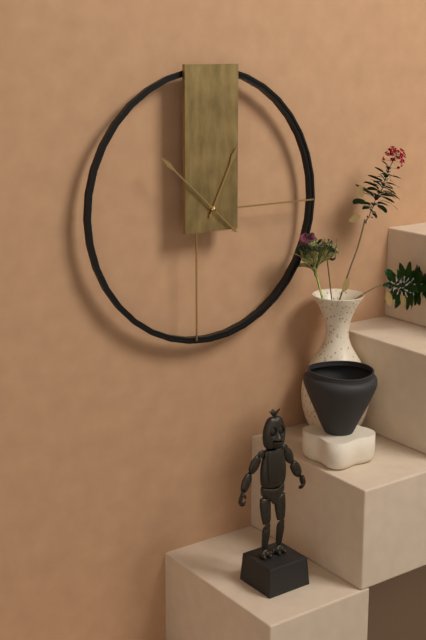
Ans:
h=12 m=52
